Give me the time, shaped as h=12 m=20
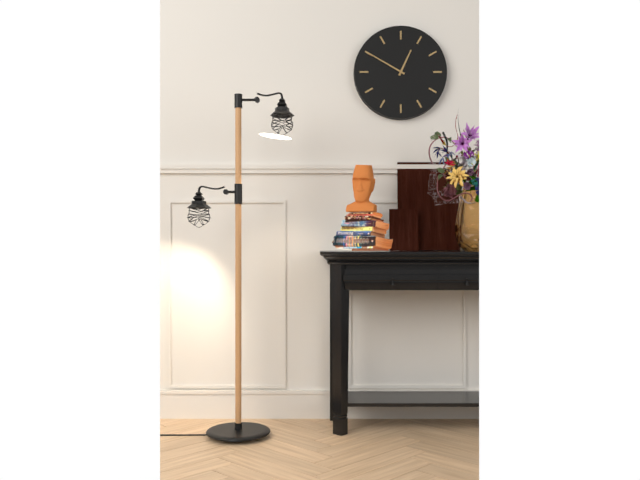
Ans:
h=12 m=50
